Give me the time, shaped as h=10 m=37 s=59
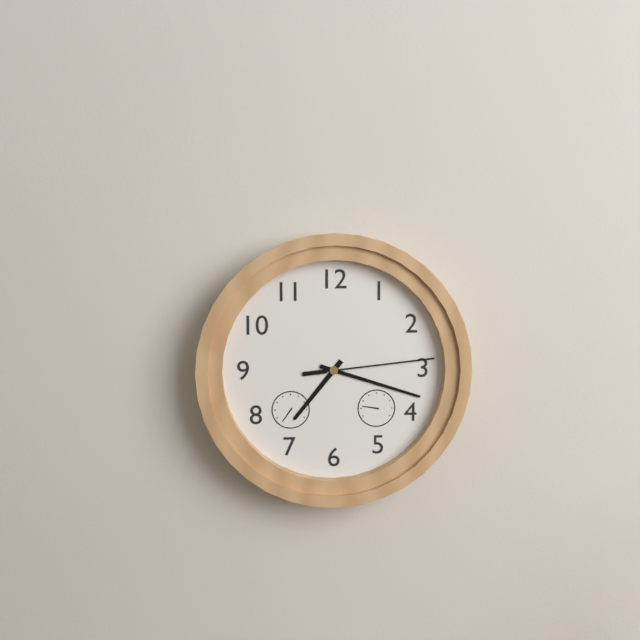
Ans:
h=7 m=18 s=14
